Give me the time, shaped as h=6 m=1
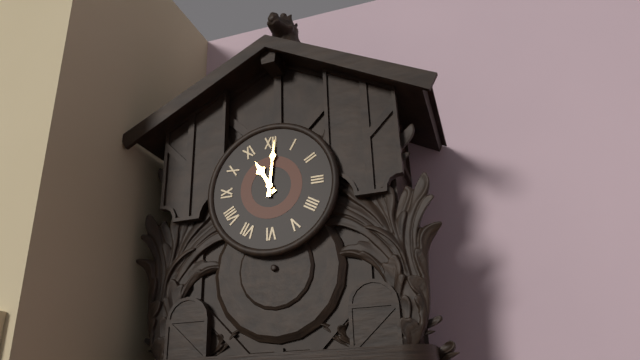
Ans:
h=11 m=1
